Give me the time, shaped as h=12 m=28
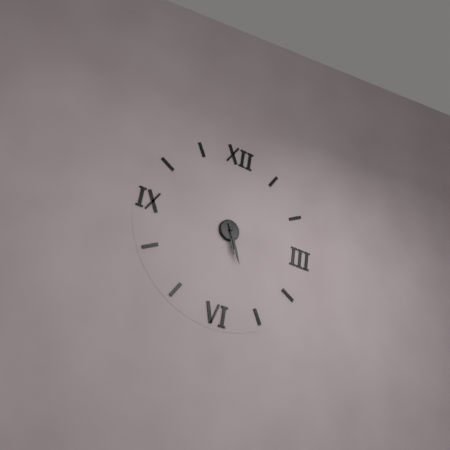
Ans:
h=5 m=26
